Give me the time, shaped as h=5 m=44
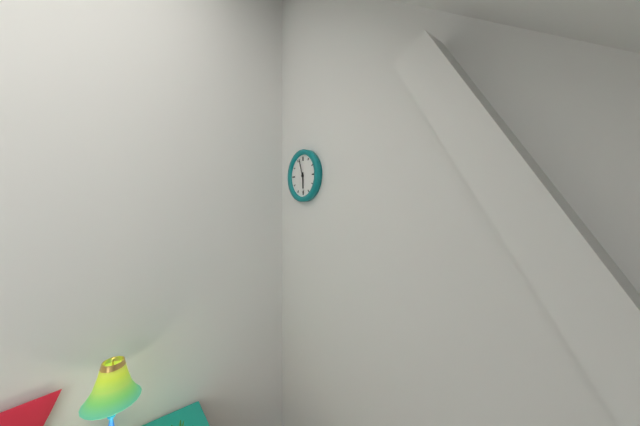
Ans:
h=5 m=57
